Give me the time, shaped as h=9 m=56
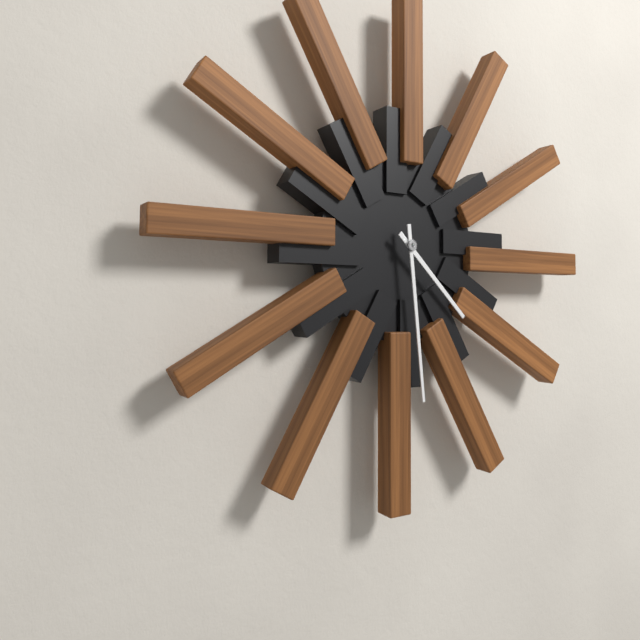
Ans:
h=4 m=29
